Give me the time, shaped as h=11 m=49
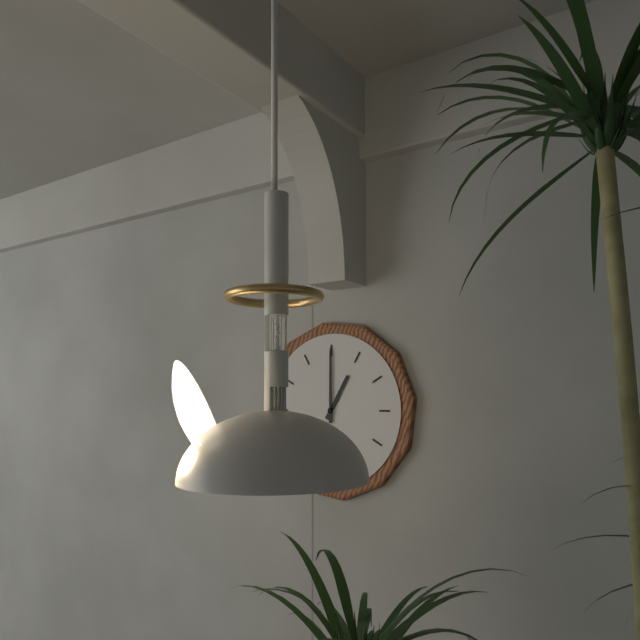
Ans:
h=1 m=0
